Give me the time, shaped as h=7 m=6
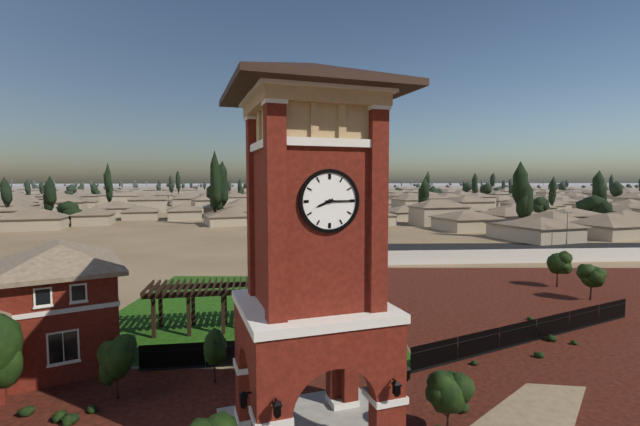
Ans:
h=8 m=15
